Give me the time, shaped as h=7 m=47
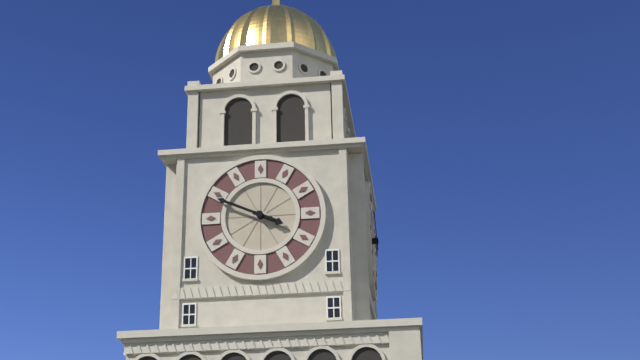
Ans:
h=3 m=49
